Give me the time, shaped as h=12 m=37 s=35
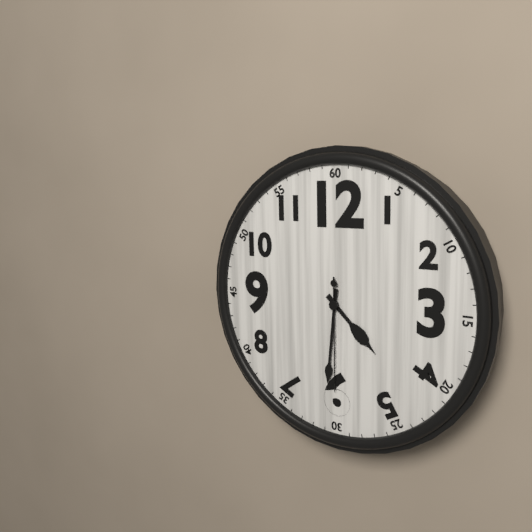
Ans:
h=4 m=31 s=30
